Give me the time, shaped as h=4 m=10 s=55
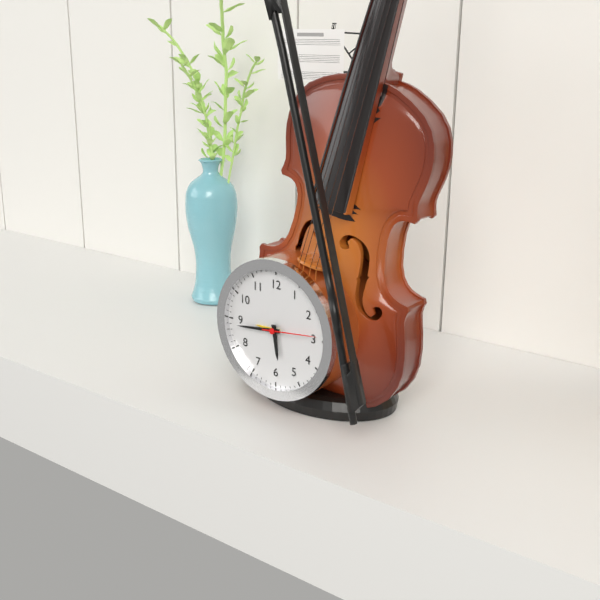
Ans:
h=5 m=44 s=14
